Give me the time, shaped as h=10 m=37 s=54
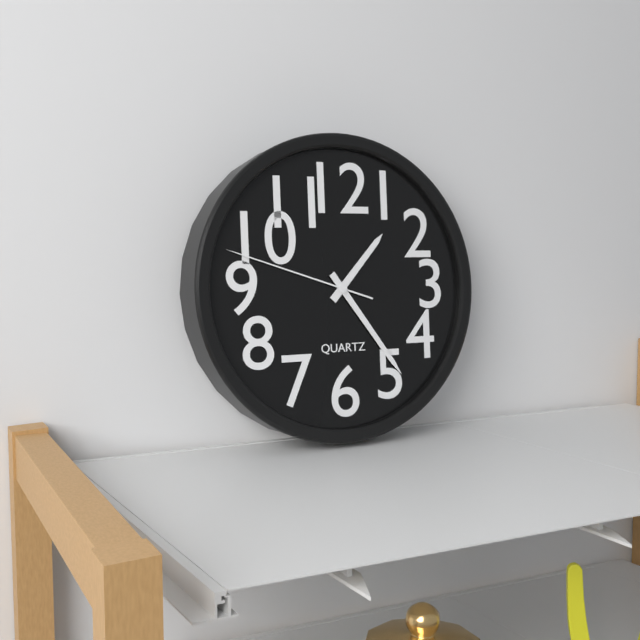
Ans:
h=1 m=24 s=48
